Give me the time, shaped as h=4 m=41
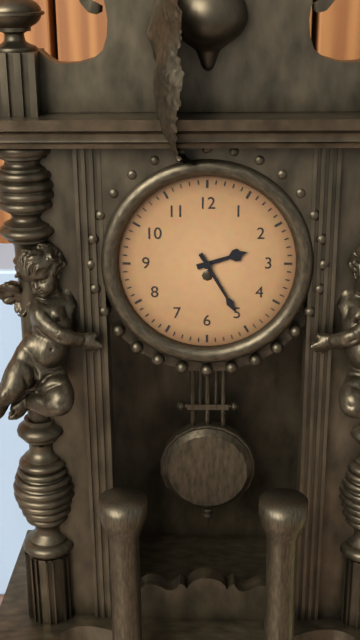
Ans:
h=2 m=25
